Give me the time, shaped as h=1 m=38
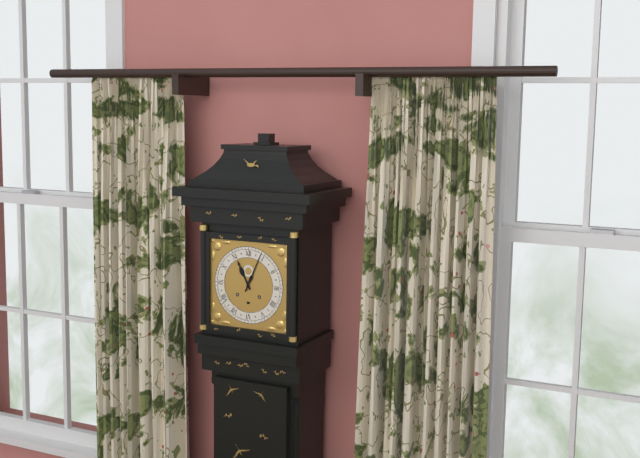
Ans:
h=11 m=4
